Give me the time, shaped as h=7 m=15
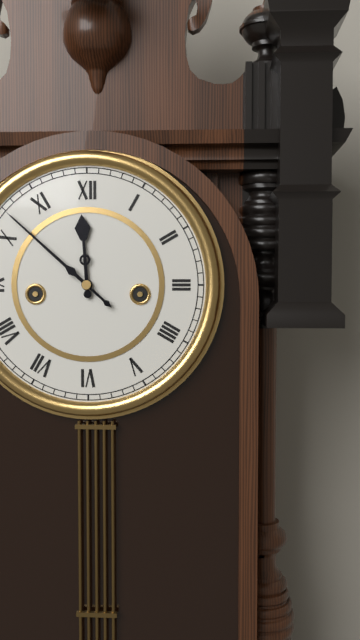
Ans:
h=11 m=52
